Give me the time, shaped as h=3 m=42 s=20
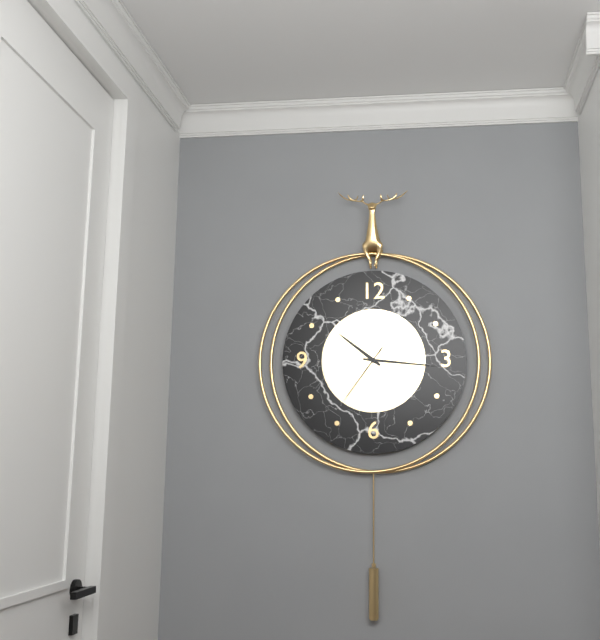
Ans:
h=10 m=16 s=36
